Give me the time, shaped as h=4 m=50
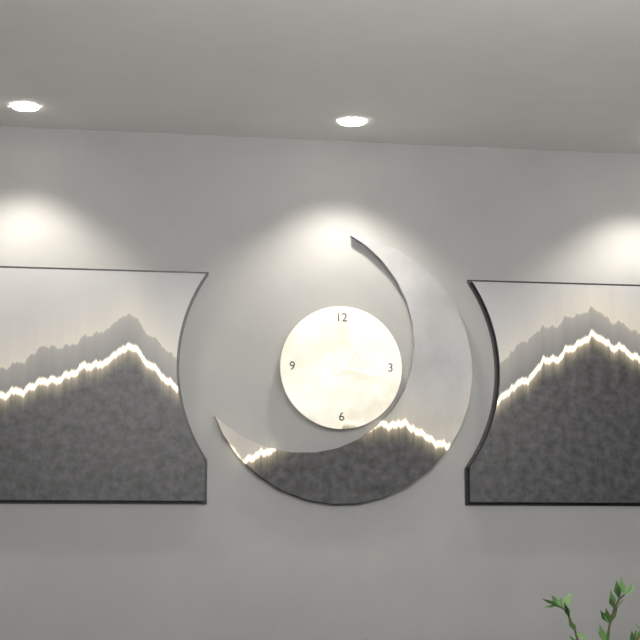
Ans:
h=1 m=17
